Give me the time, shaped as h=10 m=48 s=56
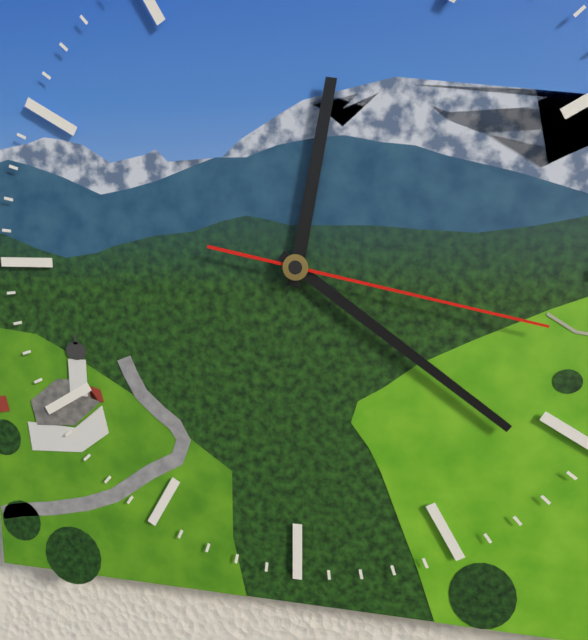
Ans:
h=12 m=21 s=17
